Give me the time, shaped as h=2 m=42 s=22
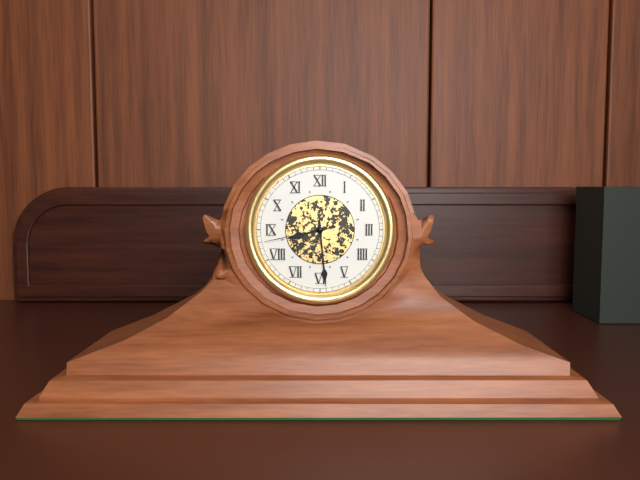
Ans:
h=8 m=29 s=43
